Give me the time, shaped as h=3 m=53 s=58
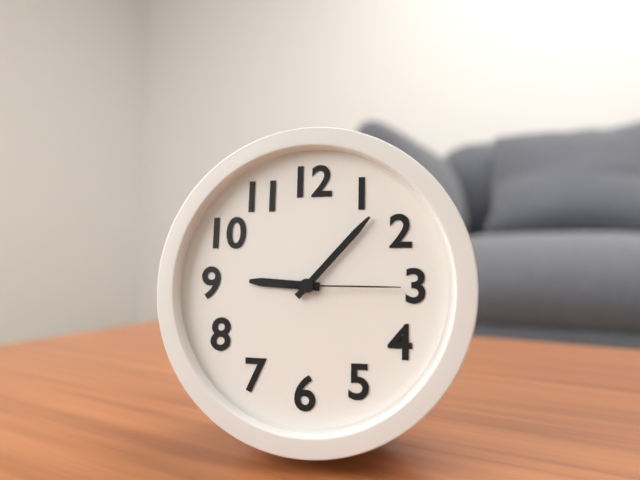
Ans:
h=9 m=7 s=15
